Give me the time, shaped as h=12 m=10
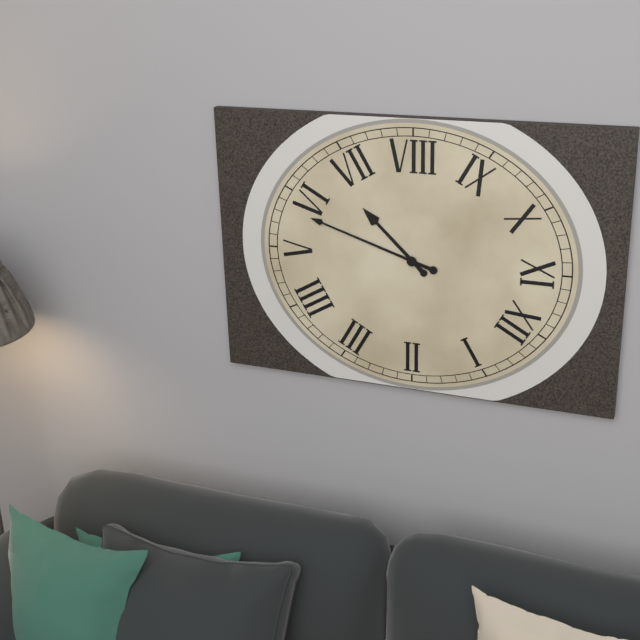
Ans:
h=6 m=28
